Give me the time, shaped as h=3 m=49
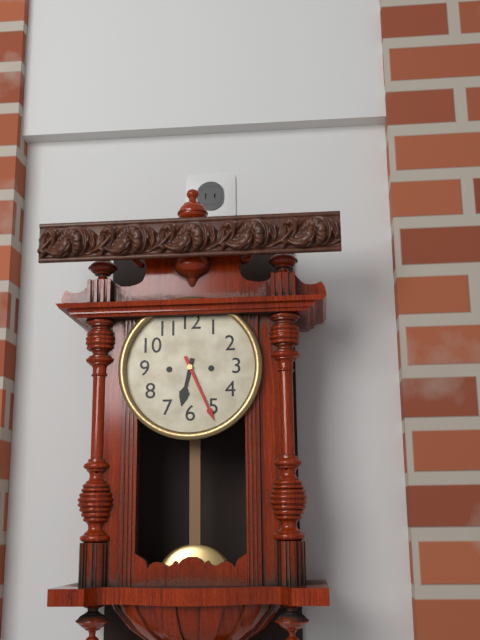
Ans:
h=6 m=26
